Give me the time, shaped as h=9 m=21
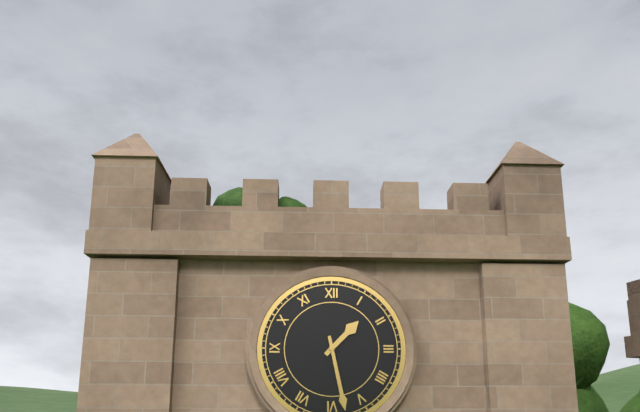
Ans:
h=1 m=28
